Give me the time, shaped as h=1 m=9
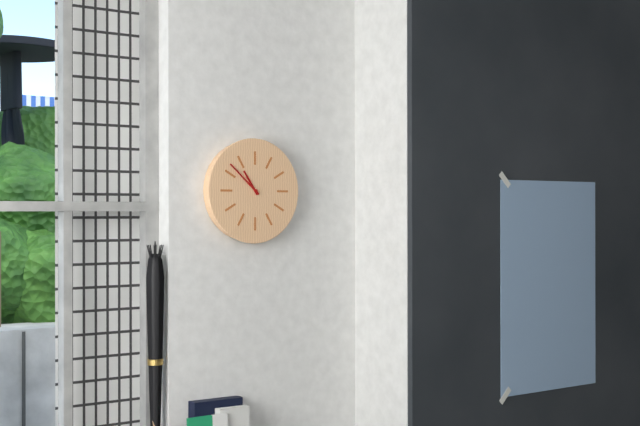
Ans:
h=10 m=52
